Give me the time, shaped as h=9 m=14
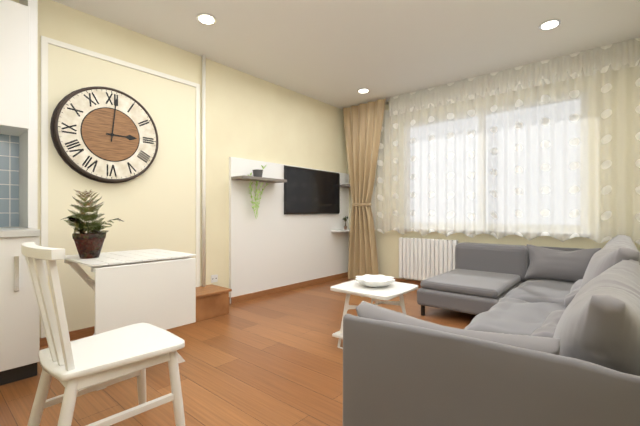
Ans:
h=3 m=1
